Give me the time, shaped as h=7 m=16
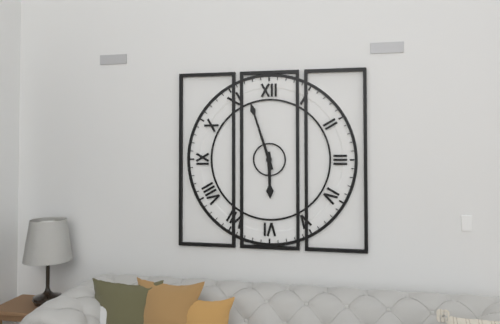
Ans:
h=5 m=57
